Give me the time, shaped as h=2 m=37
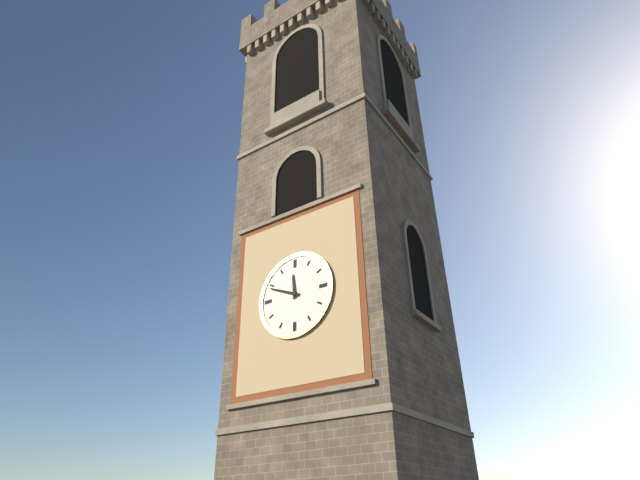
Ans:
h=11 m=49
